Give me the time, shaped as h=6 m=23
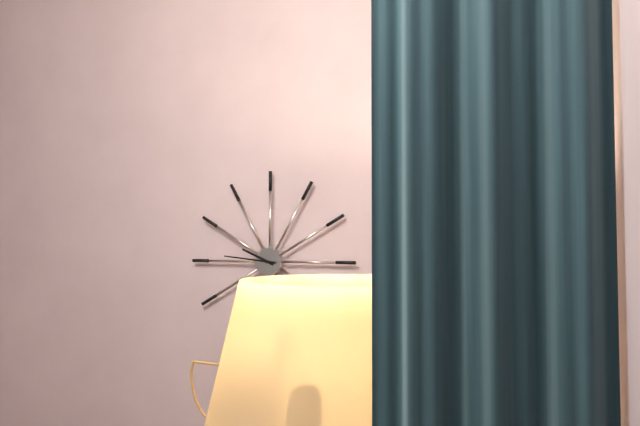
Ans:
h=9 m=46
